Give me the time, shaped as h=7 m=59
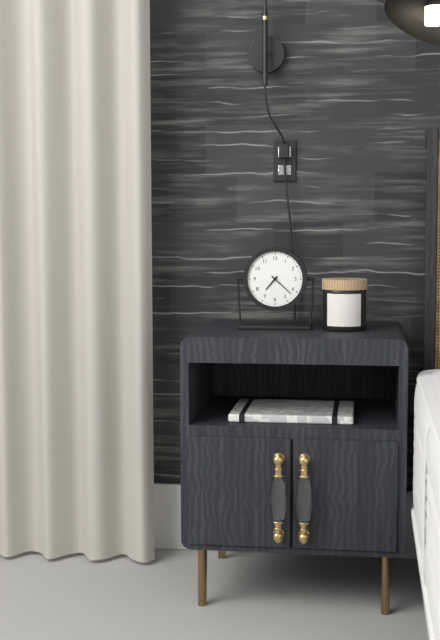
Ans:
h=7 m=22
